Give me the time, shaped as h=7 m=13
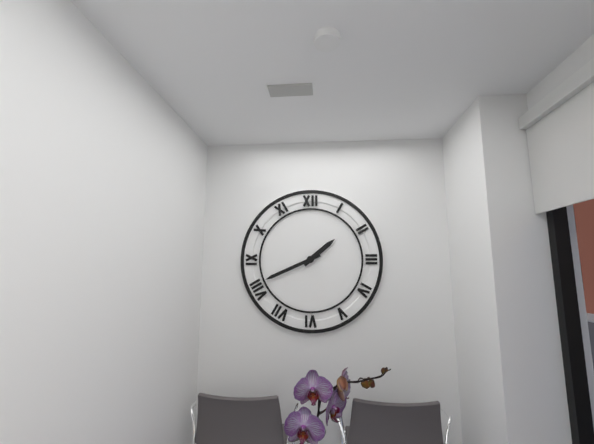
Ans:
h=1 m=41
